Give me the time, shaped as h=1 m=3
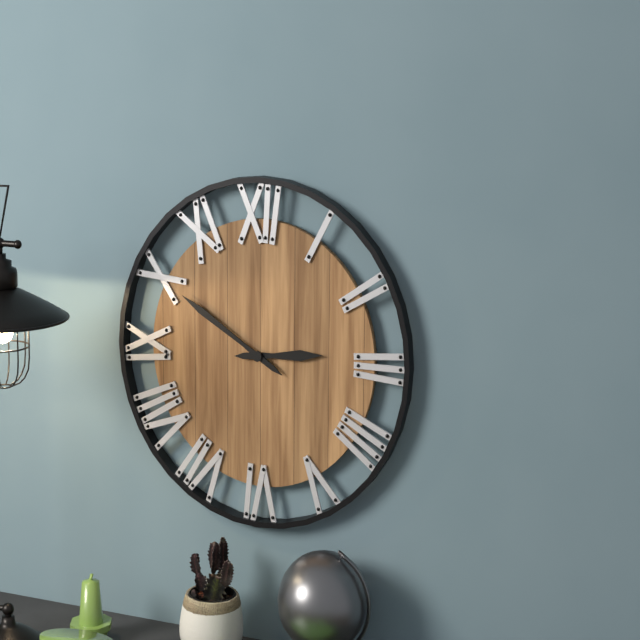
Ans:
h=2 m=50
